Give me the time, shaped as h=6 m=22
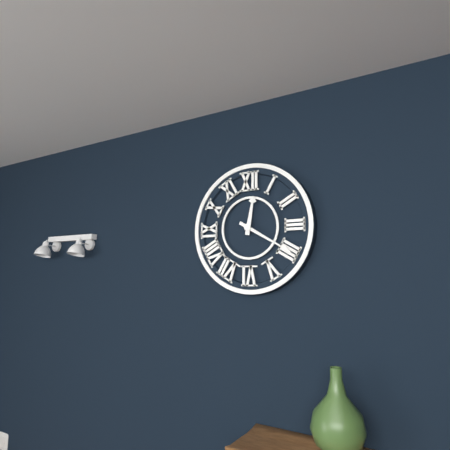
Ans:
h=12 m=20
